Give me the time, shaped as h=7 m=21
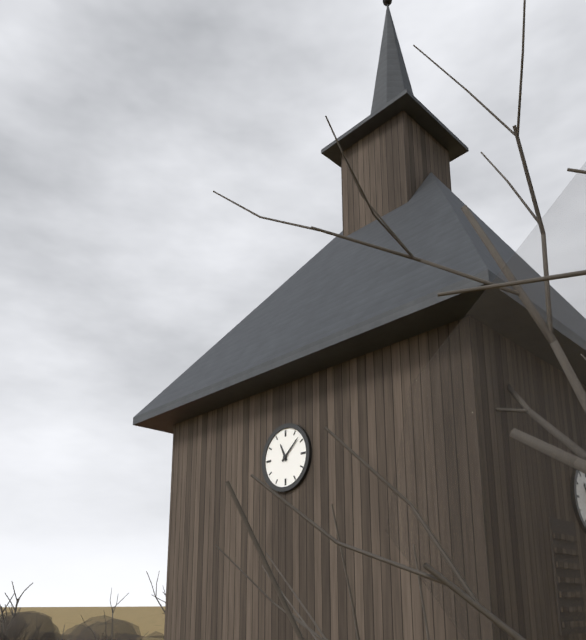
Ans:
h=11 m=8
